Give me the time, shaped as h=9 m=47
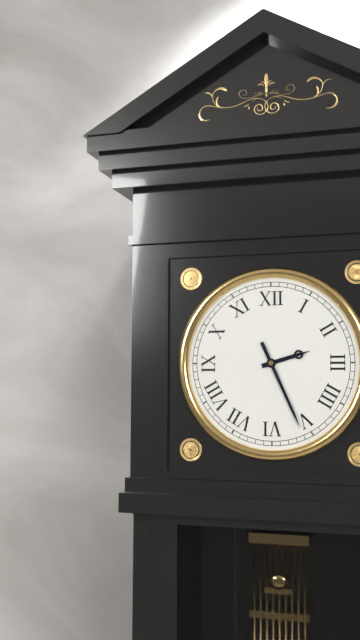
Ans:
h=2 m=26
